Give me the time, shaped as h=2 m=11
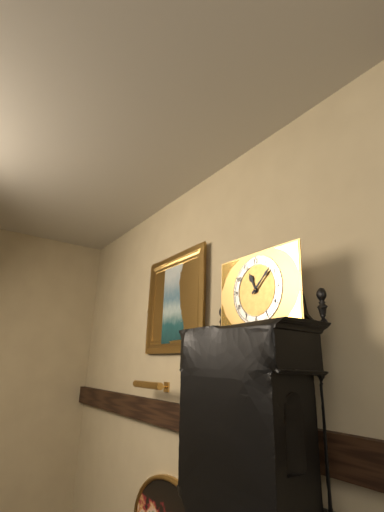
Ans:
h=11 m=8
